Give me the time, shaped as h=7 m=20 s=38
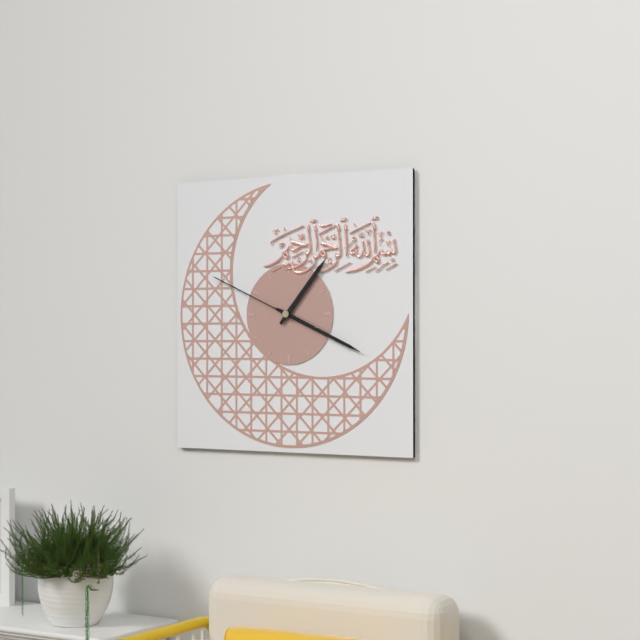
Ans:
h=1 m=19 s=49
